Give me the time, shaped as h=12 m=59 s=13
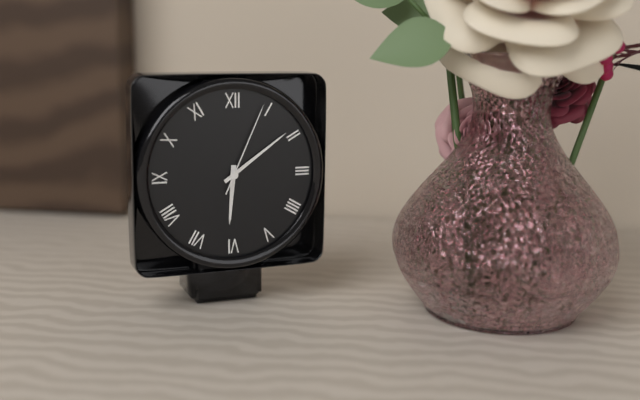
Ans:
h=6 m=9 s=4
